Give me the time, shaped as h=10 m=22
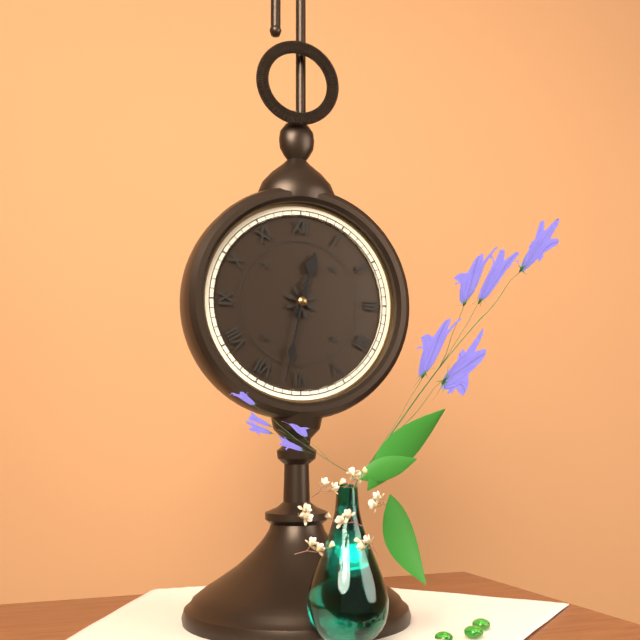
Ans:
h=12 m=32
